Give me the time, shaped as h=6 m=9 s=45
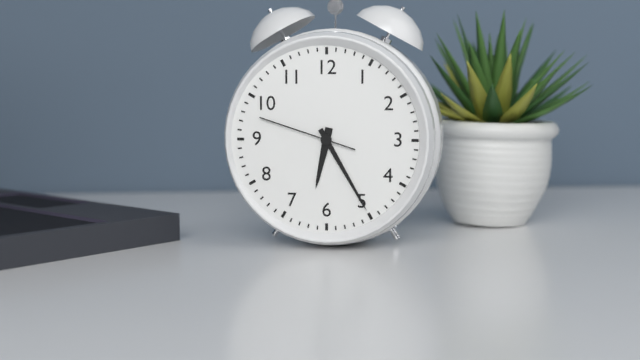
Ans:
h=6 m=25 s=48
